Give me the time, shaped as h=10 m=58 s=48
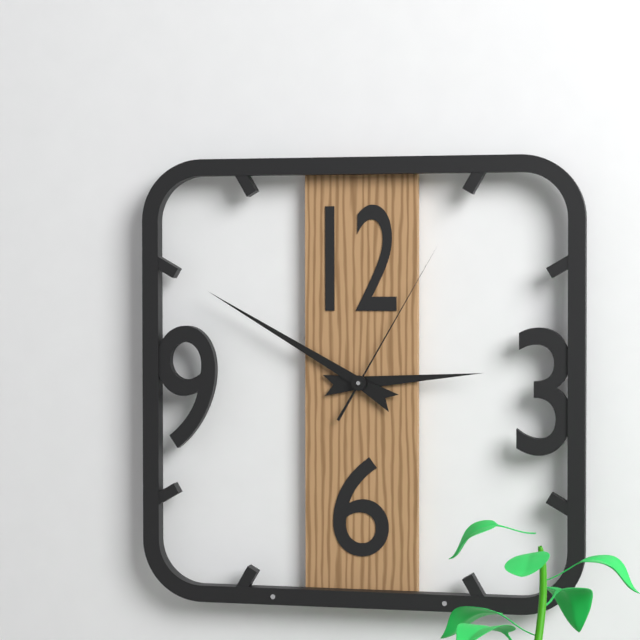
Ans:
h=2 m=50 s=5
